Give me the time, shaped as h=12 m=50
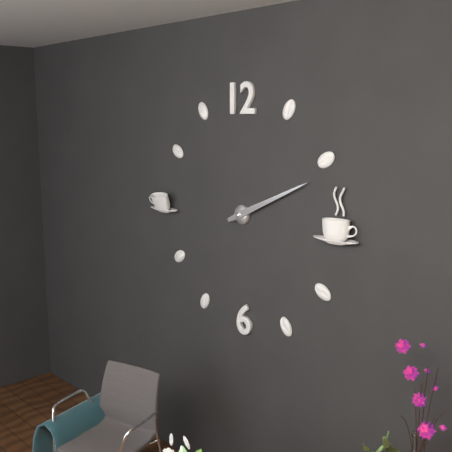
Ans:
h=2 m=11
